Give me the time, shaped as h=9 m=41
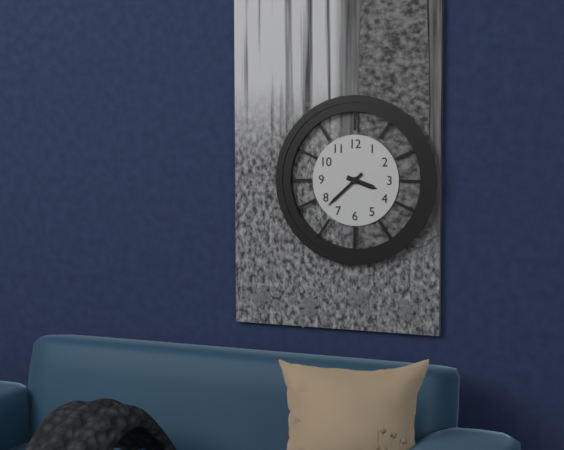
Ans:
h=3 m=38
